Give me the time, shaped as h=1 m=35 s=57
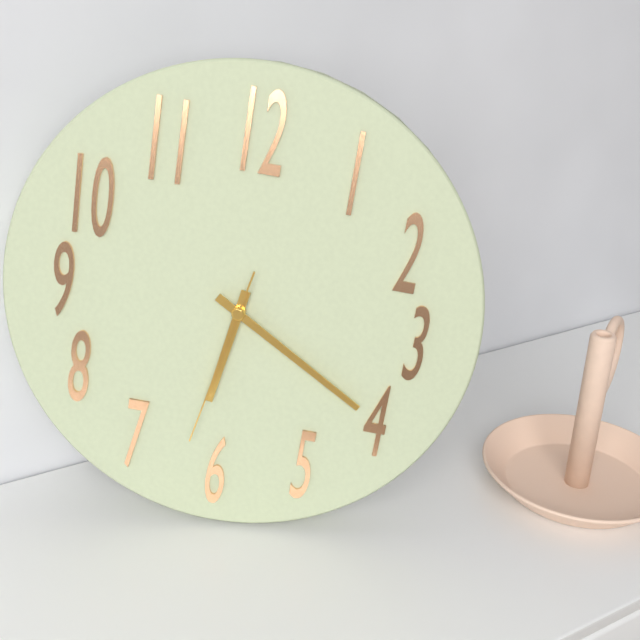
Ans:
h=6 m=20 s=32
